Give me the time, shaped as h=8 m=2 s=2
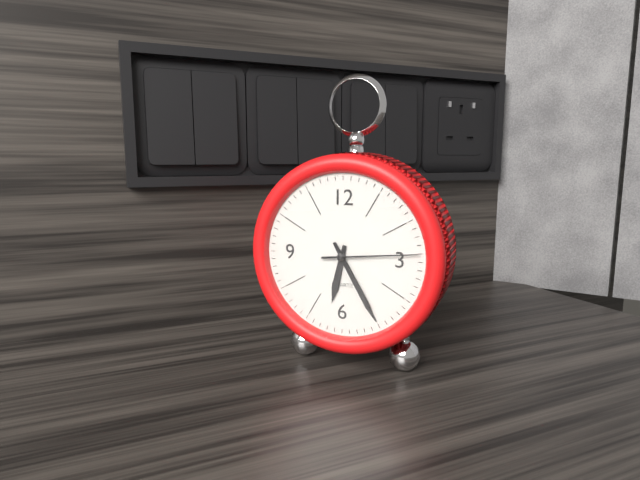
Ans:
h=6 m=25 s=14
